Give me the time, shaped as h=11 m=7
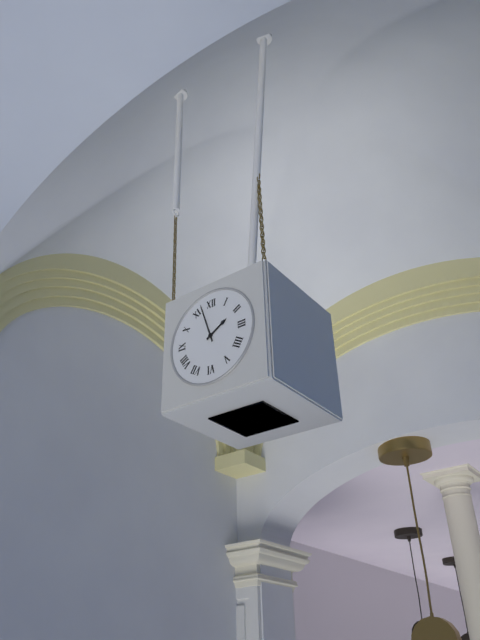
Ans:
h=1 m=57
